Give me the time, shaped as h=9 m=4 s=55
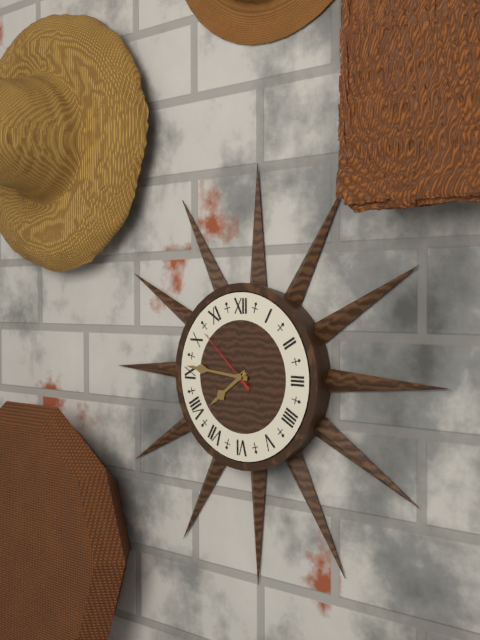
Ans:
h=7 m=46 s=52
